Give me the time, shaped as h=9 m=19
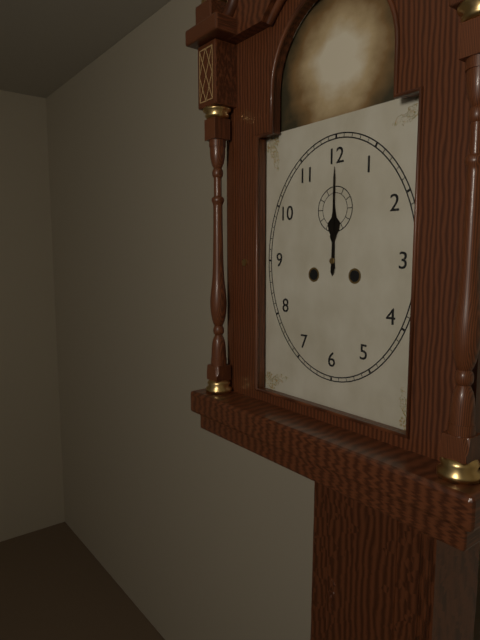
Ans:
h=12 m=0
